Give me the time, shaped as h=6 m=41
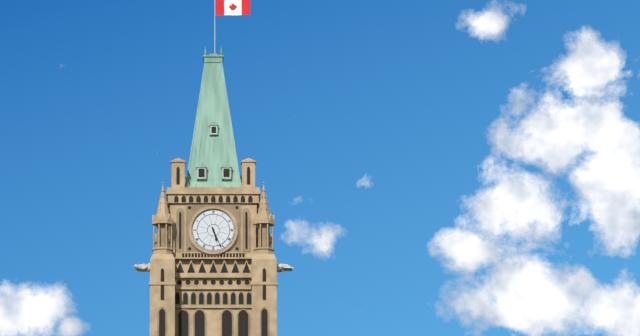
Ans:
h=5 m=26
